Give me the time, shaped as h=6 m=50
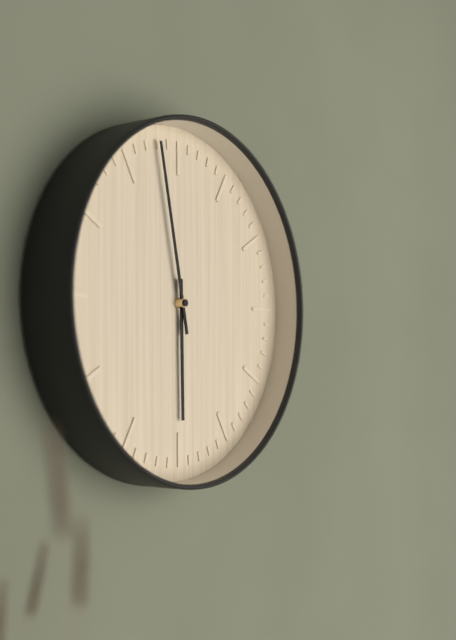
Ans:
h=5 m=58
